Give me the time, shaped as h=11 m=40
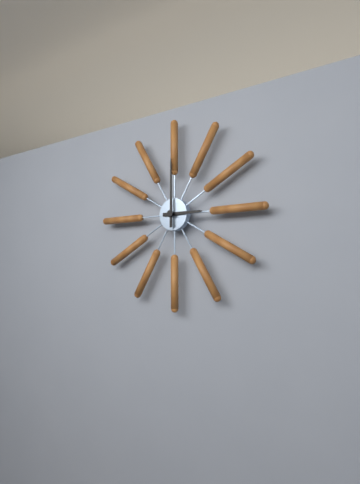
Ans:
h=3 m=0
